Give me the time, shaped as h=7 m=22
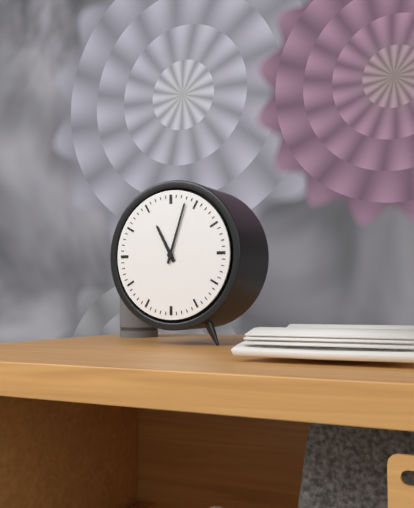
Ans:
h=11 m=3
